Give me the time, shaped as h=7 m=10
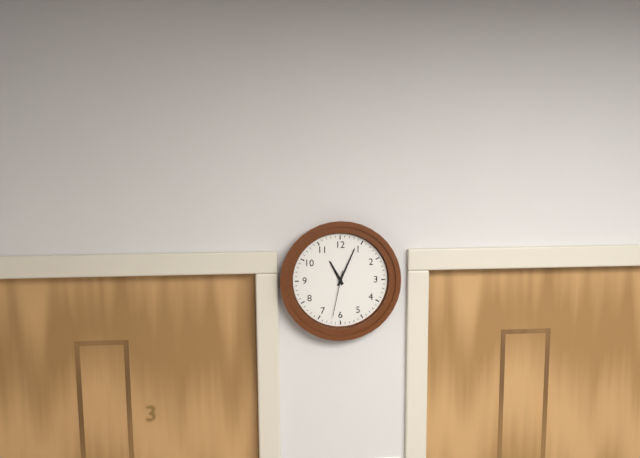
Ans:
h=11 m=4
